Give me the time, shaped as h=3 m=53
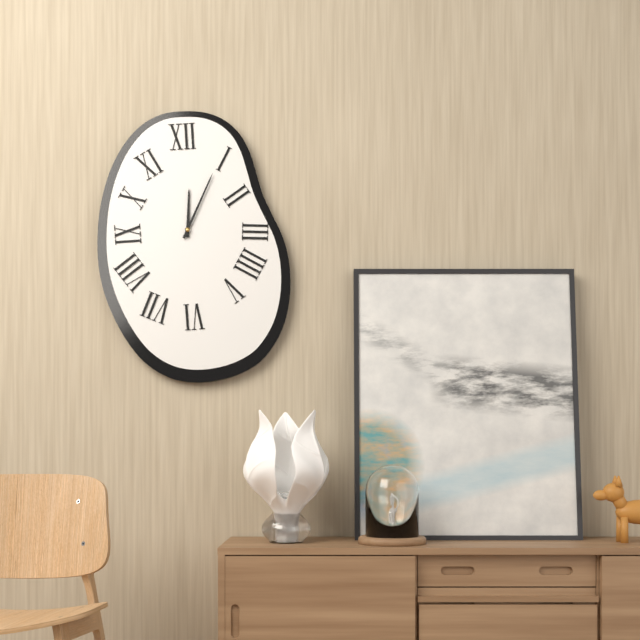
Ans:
h=12 m=4
